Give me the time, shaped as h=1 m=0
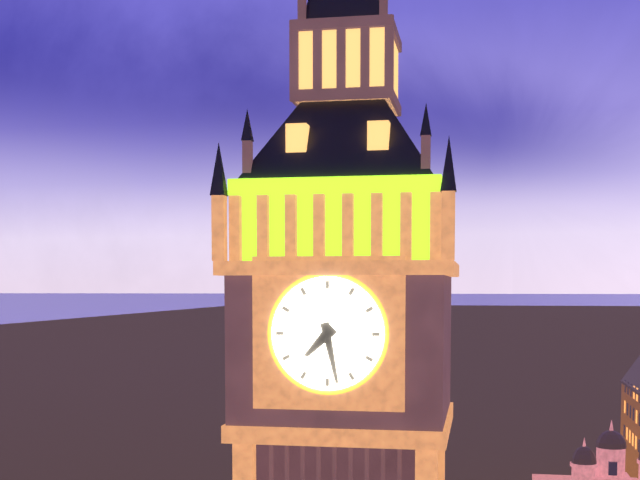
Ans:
h=7 m=28
